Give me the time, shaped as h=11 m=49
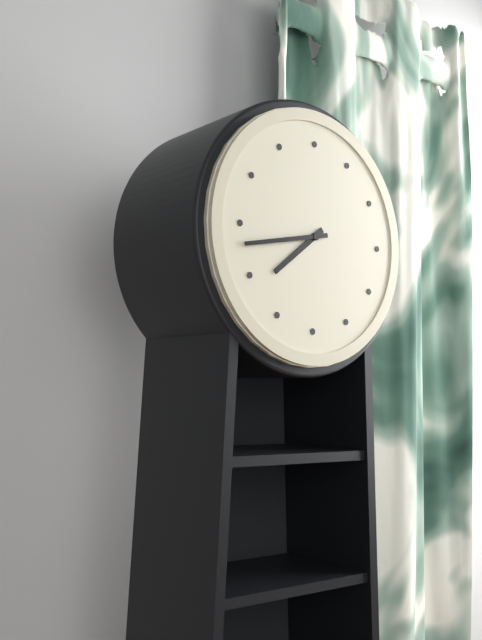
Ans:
h=7 m=43
